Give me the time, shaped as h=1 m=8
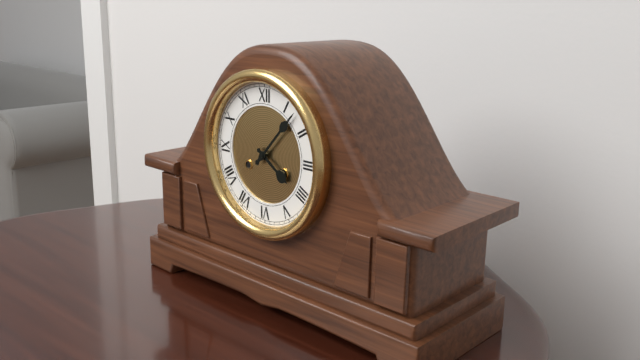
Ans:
h=4 m=7
